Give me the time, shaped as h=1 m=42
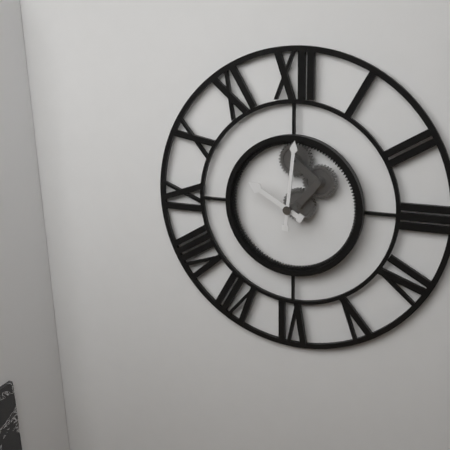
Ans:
h=10 m=1
